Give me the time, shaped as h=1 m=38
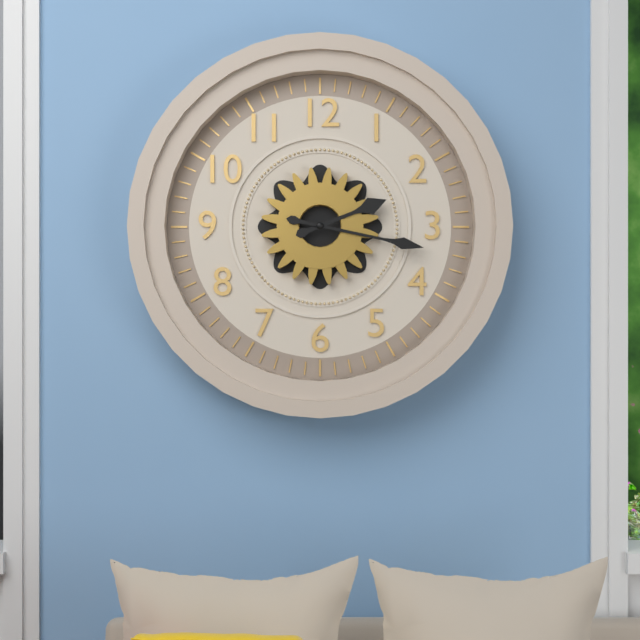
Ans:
h=2 m=17
